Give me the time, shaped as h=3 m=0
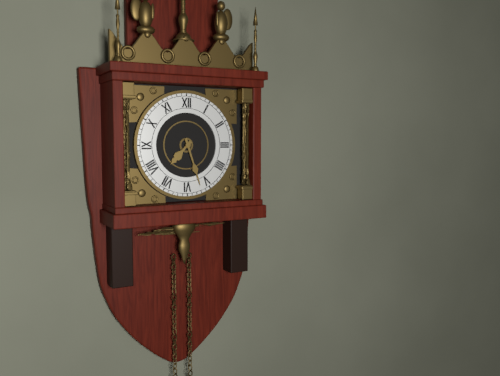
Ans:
h=7 m=27
